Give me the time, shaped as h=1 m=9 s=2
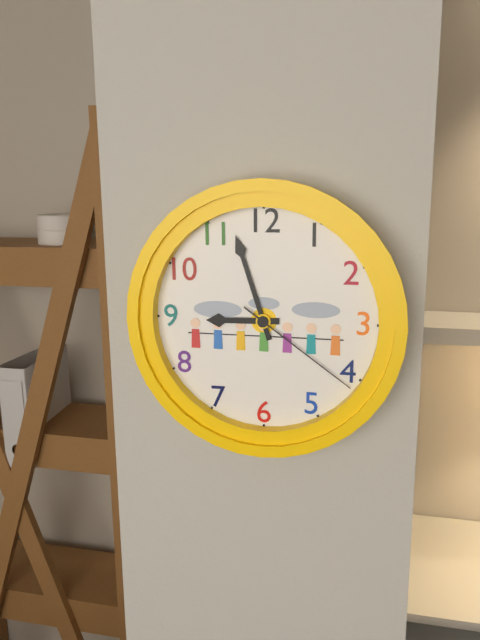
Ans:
h=8 m=57 s=21
